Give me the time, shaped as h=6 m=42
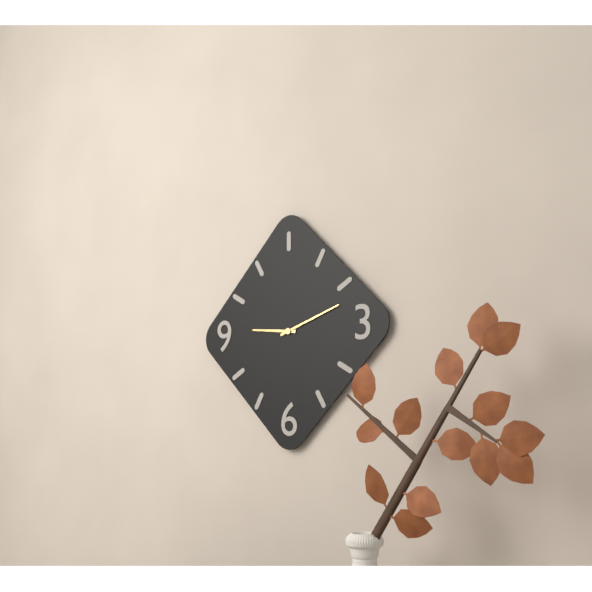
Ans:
h=9 m=12
